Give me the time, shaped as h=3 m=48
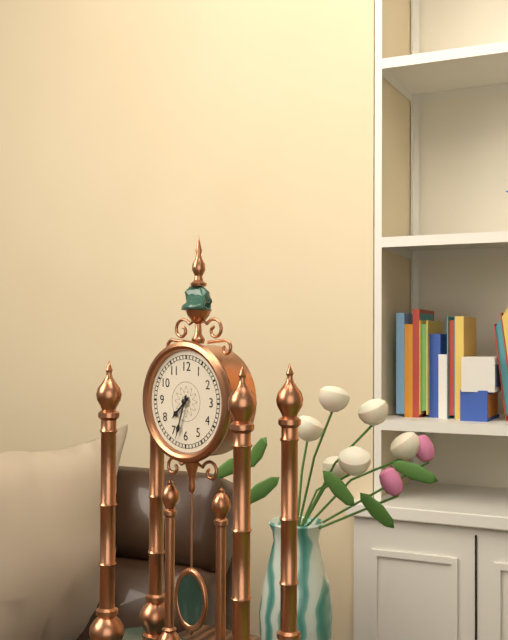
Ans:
h=7 m=33
